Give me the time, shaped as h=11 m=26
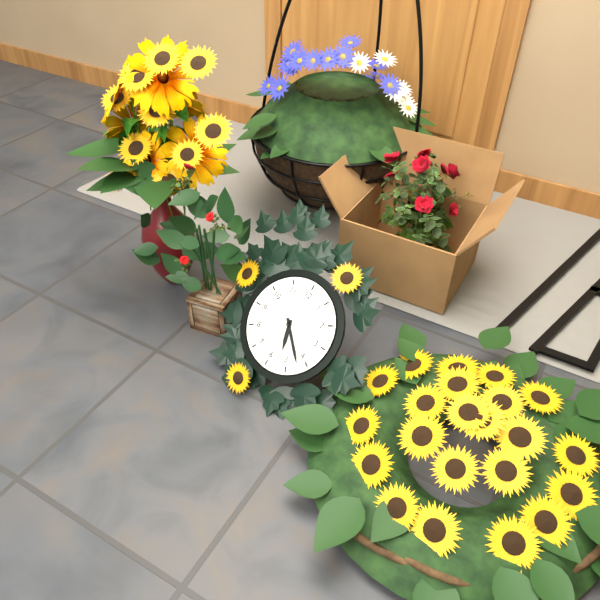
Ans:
h=5 m=22
